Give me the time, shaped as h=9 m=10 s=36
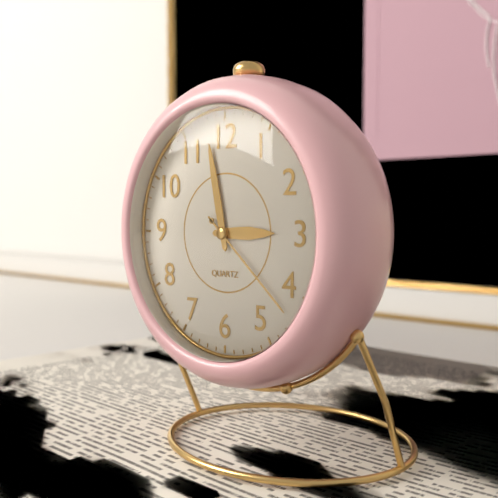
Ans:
h=2 m=58 s=22
